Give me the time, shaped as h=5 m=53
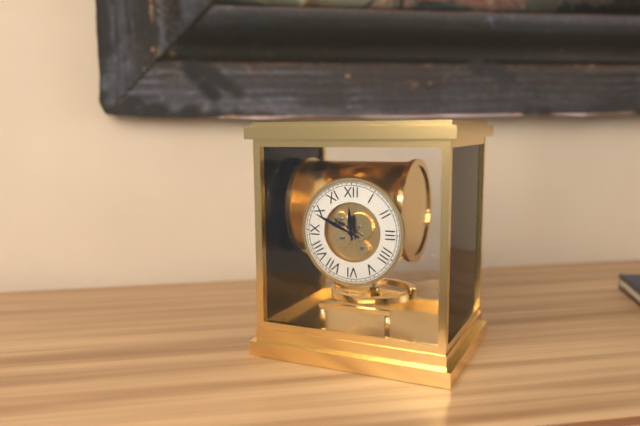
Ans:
h=11 m=49
